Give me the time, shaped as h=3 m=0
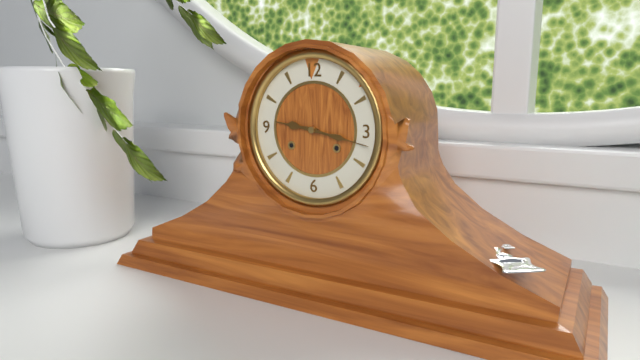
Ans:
h=9 m=17
